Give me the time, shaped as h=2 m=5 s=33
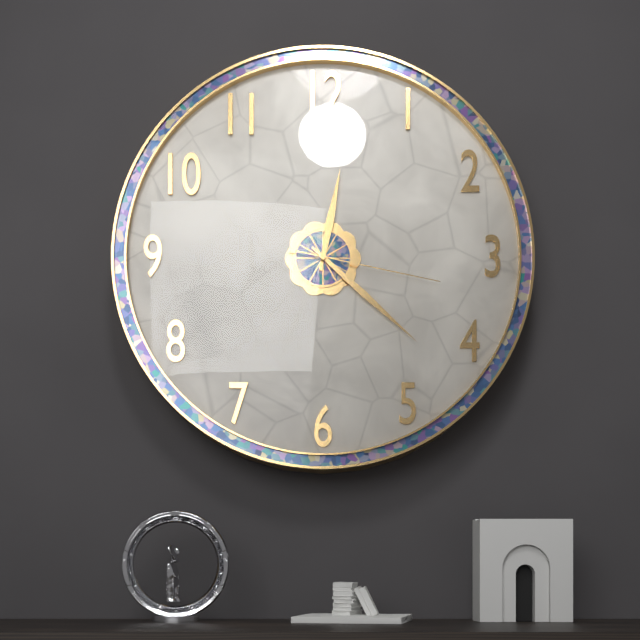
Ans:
h=12 m=22 s=17
